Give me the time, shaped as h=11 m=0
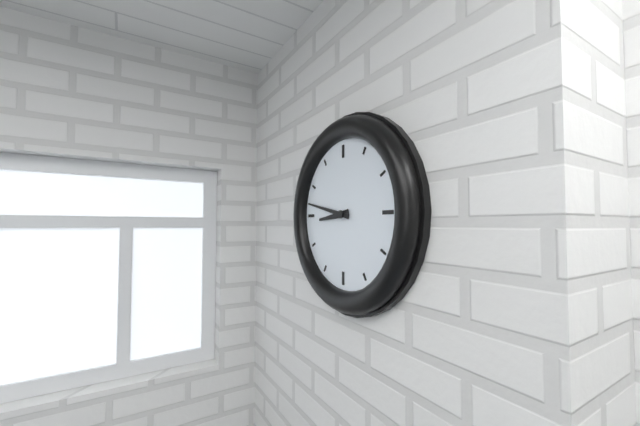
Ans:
h=8 m=47
